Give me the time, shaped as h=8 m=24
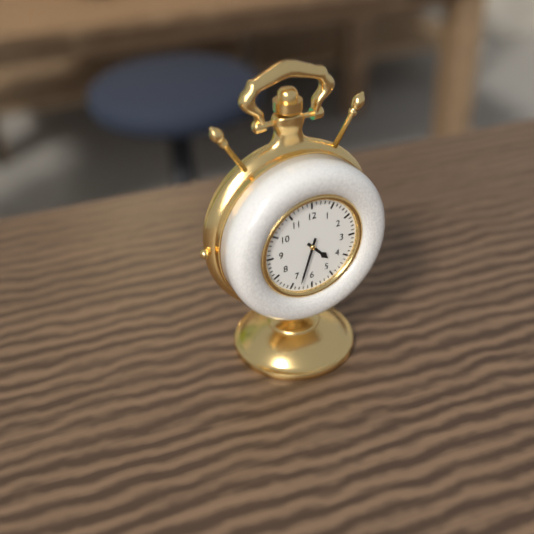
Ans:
h=4 m=33
